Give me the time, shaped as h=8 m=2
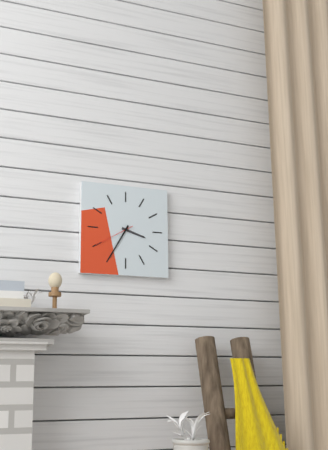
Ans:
h=3 m=35
